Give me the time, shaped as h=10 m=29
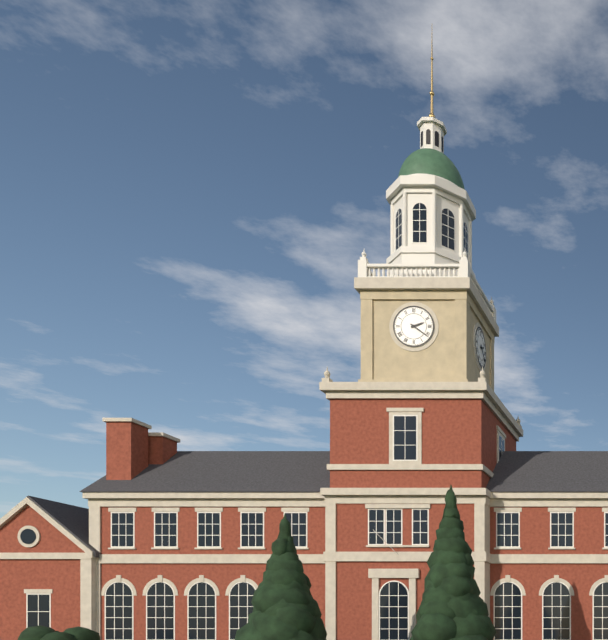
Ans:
h=2 m=21
